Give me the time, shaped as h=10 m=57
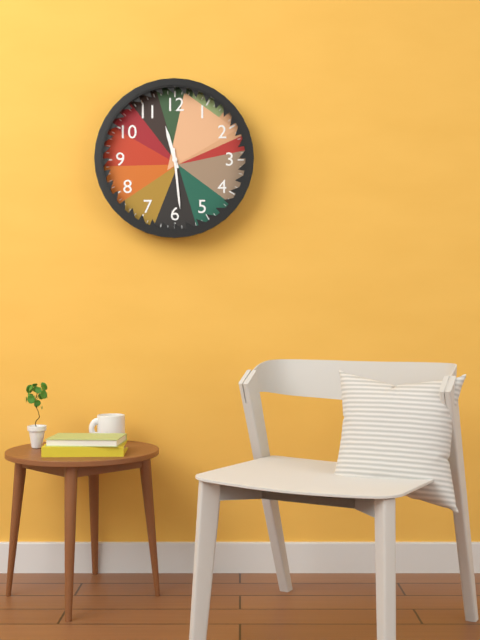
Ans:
h=11 m=29
